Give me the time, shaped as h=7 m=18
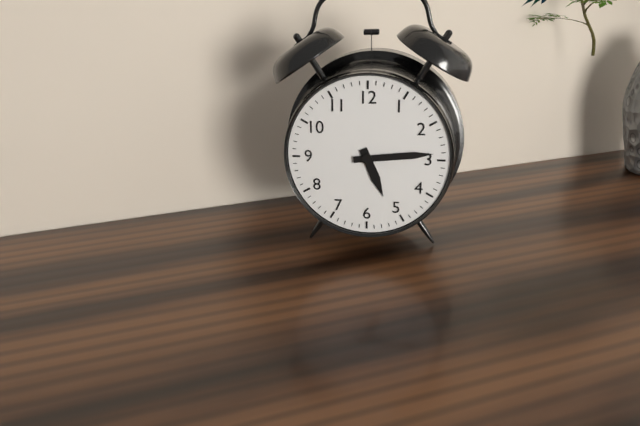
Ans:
h=5 m=14
